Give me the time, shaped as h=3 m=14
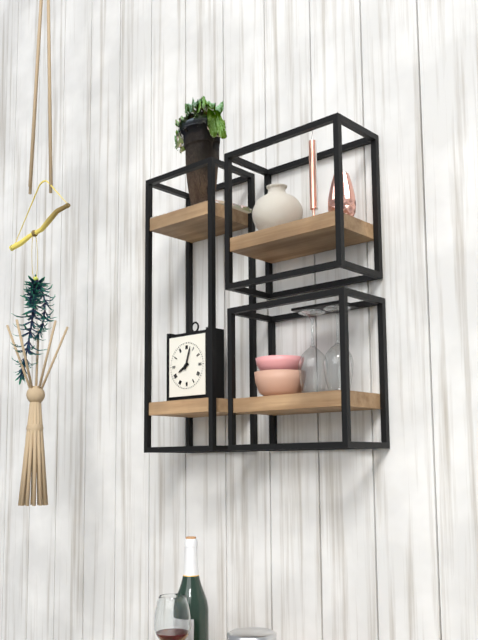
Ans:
h=8 m=3
